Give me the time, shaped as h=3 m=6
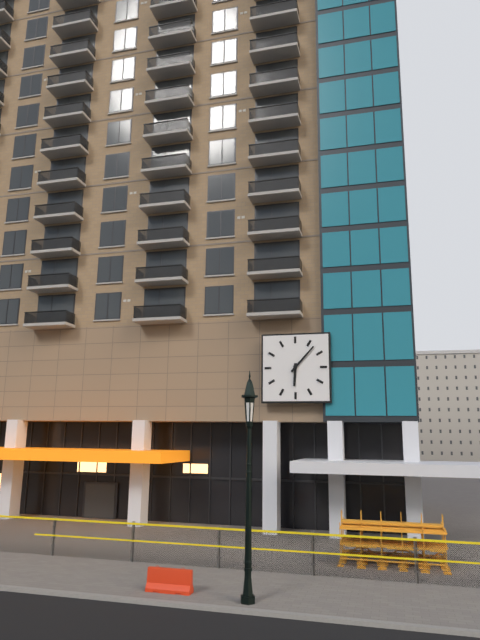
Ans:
h=6 m=7
